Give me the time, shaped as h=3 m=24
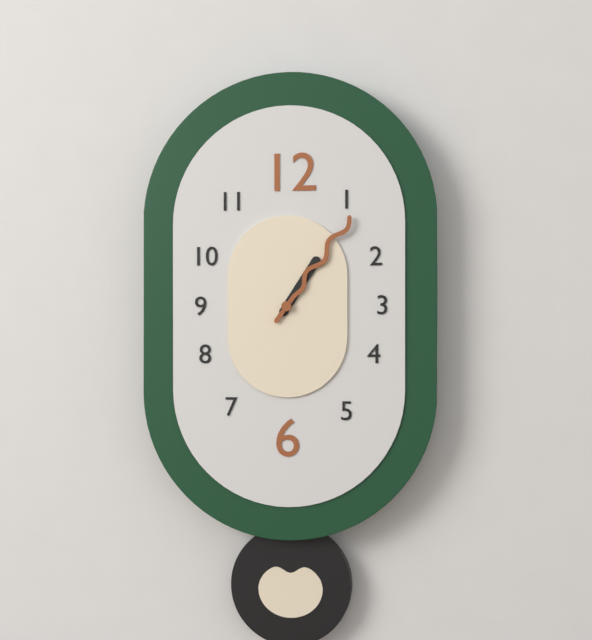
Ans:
h=1 m=6
